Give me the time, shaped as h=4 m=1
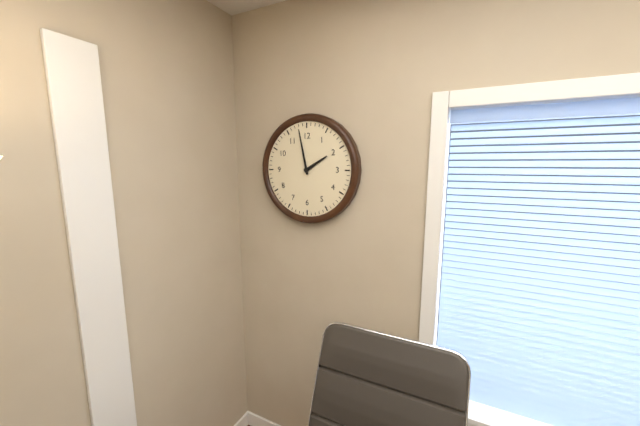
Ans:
h=1 m=58
